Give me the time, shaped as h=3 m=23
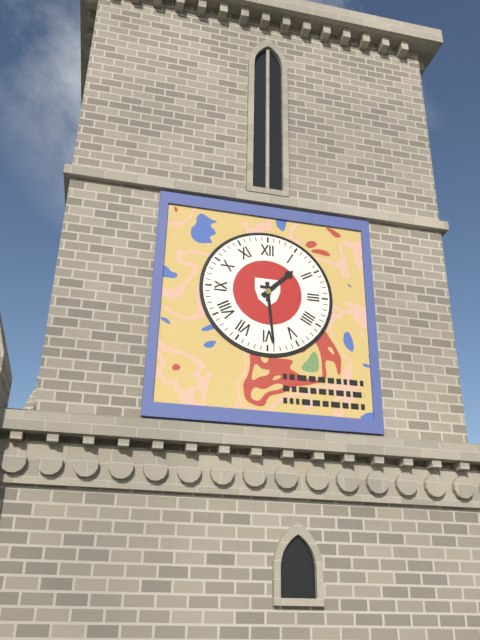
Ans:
h=1 m=29
